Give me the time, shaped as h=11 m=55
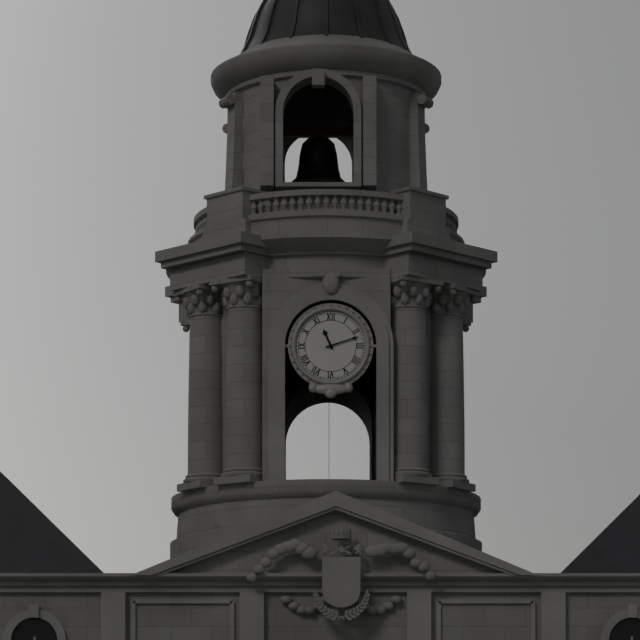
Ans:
h=11 m=12
